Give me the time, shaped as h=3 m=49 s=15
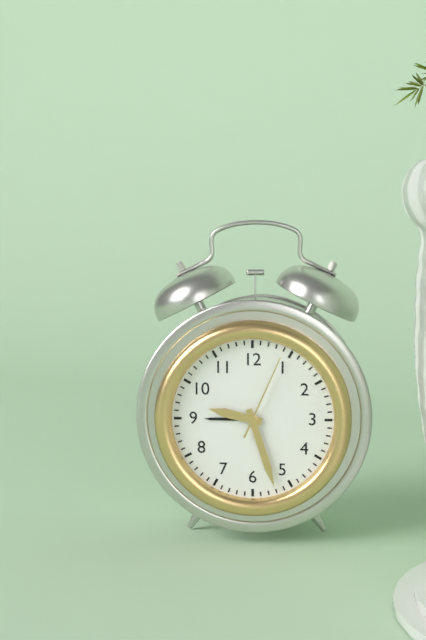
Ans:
h=9 m=27 s=4
